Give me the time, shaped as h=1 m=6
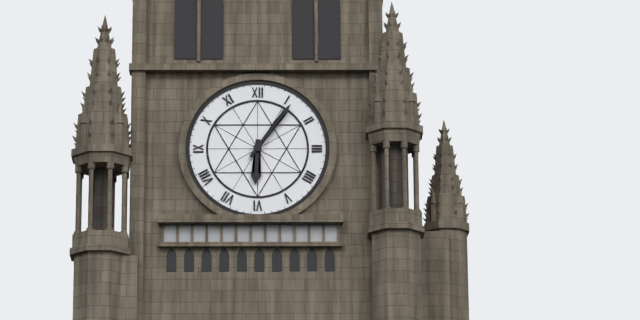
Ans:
h=6 m=6
